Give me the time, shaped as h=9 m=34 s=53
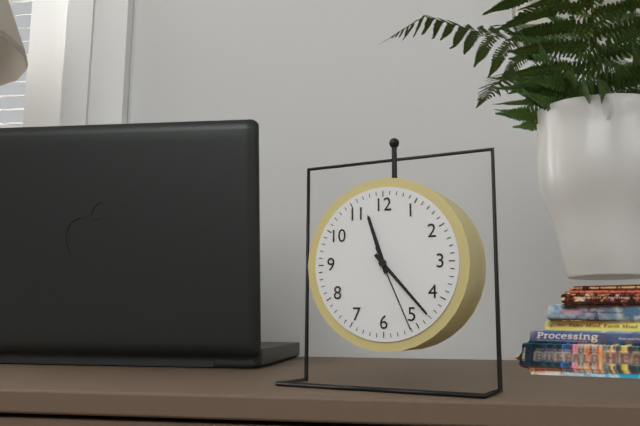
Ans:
h=11 m=23 s=26
